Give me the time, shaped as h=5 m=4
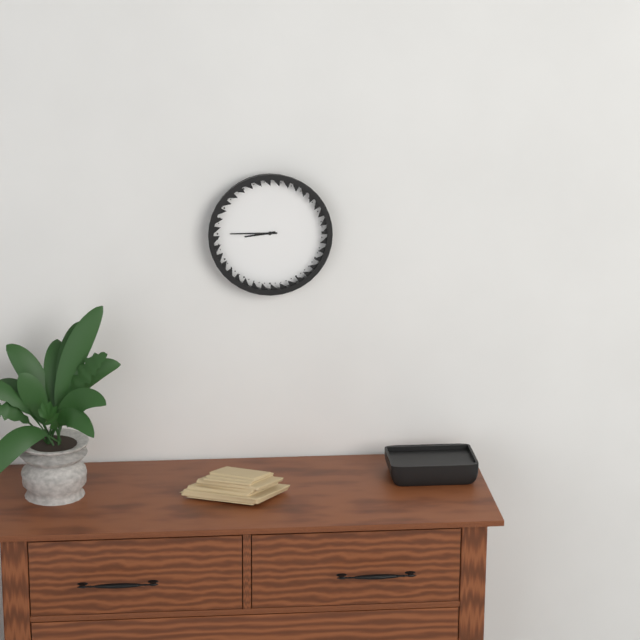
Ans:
h=8 m=45
